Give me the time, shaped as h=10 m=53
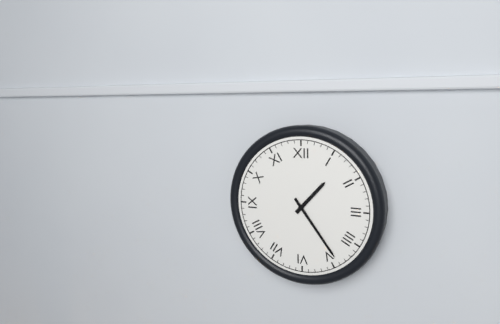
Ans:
h=1 m=24
